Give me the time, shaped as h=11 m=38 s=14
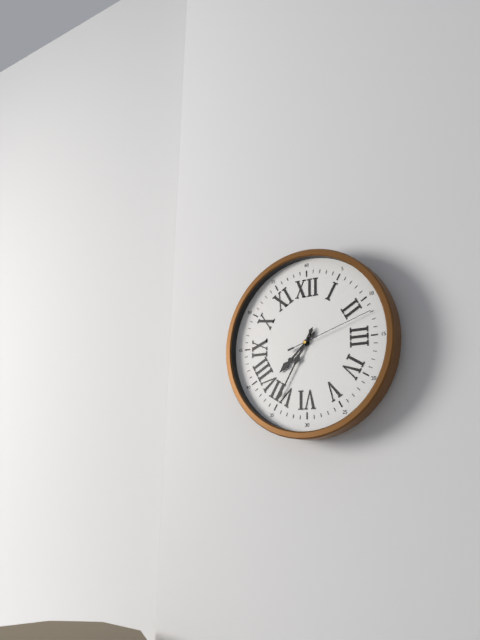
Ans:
h=7 m=35 s=12
